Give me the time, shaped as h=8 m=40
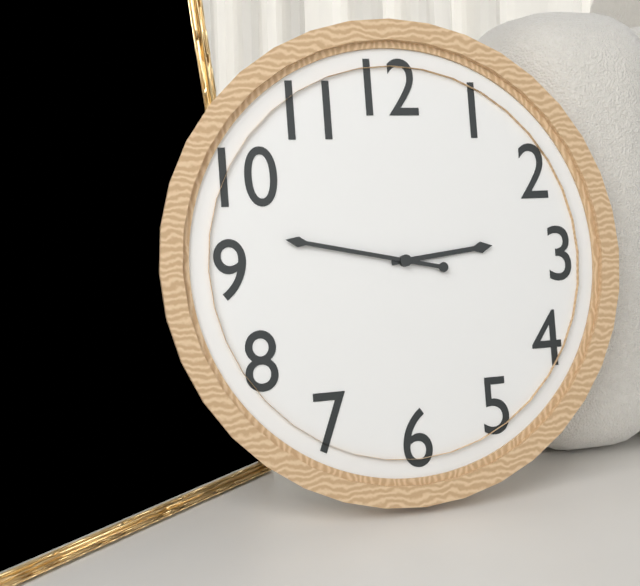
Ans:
h=2 m=47
